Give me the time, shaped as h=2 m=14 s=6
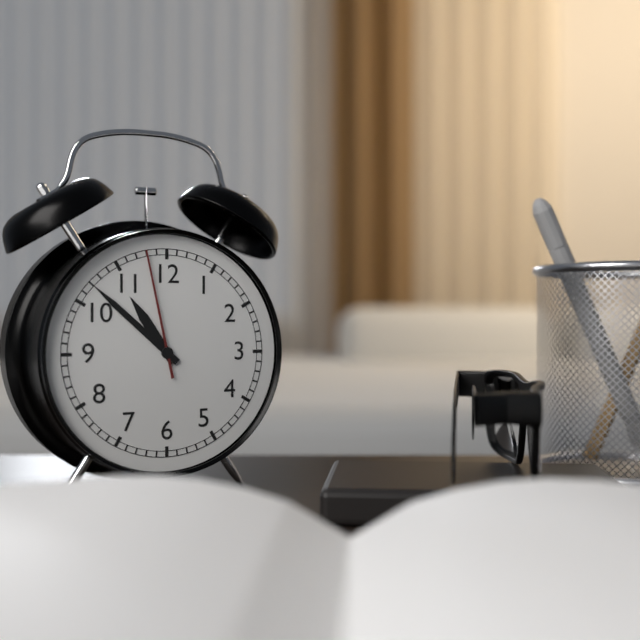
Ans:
h=10 m=52 s=58
